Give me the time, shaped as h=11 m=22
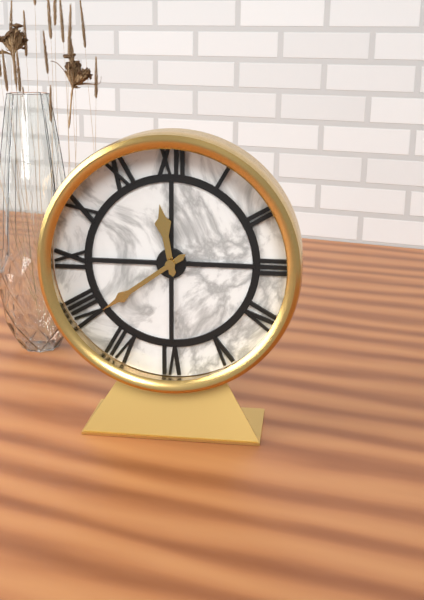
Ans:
h=11 m=39
